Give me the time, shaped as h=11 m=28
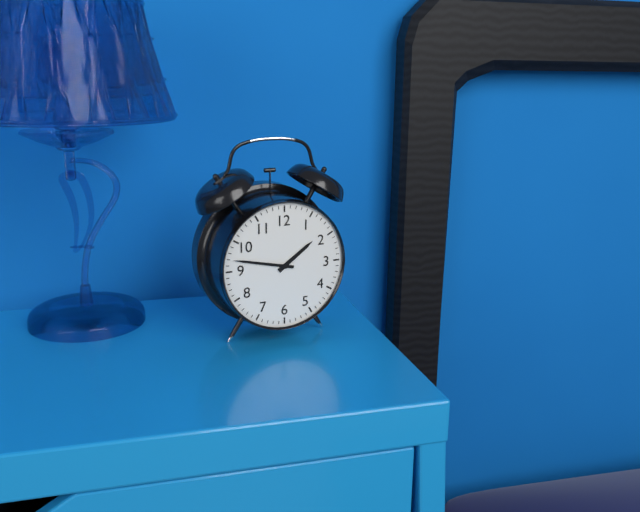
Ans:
h=1 m=47
